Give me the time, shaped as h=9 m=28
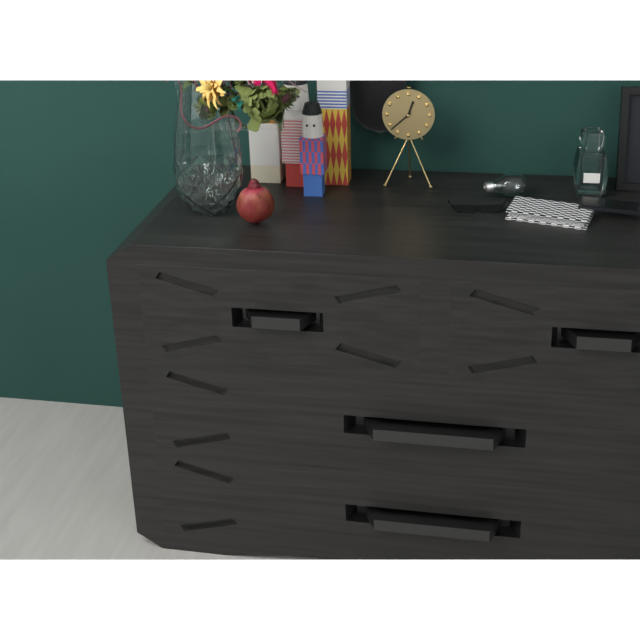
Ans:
h=12 m=38
